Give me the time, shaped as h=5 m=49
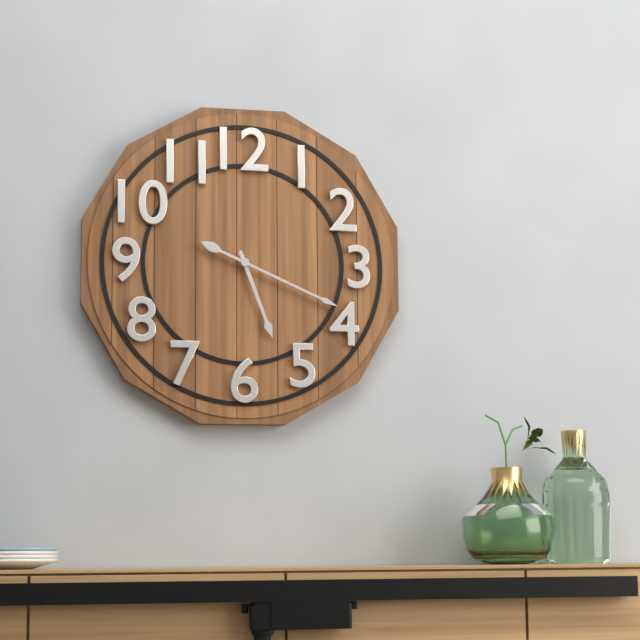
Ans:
h=5 m=19
